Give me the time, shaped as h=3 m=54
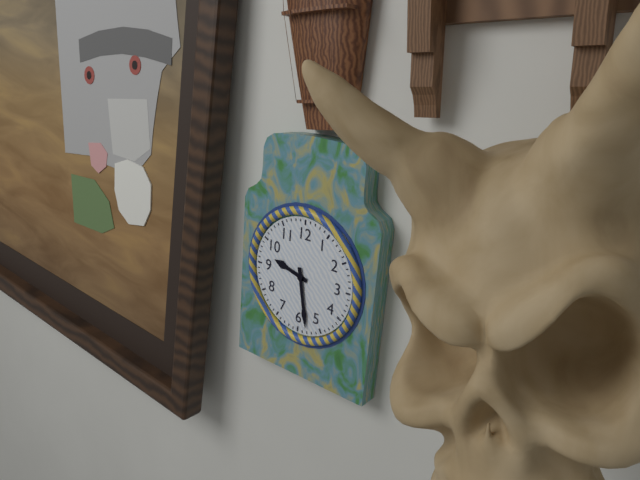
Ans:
h=9 m=28
